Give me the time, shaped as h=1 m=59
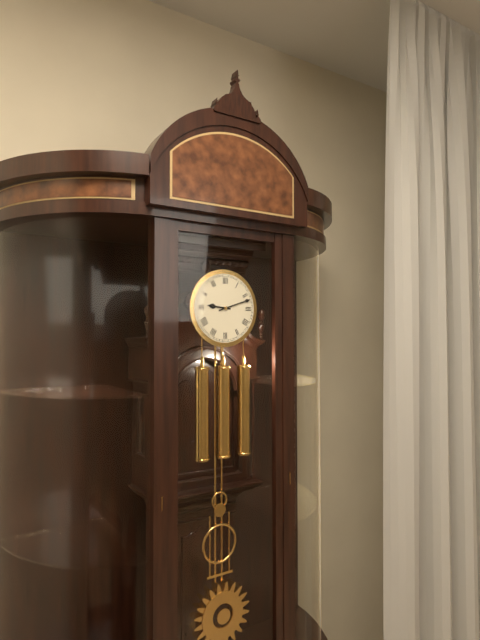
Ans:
h=9 m=12
